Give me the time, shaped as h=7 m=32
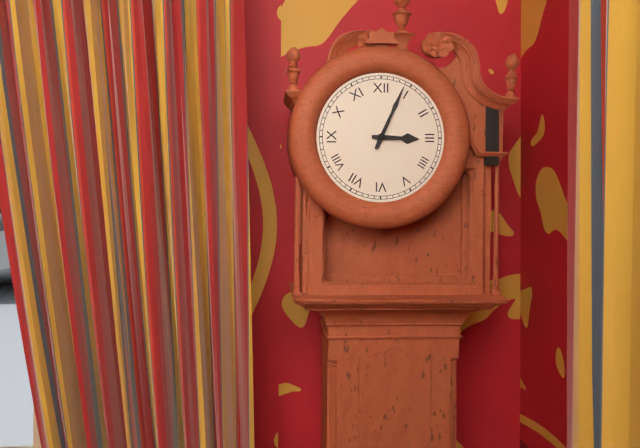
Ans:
h=3 m=4
